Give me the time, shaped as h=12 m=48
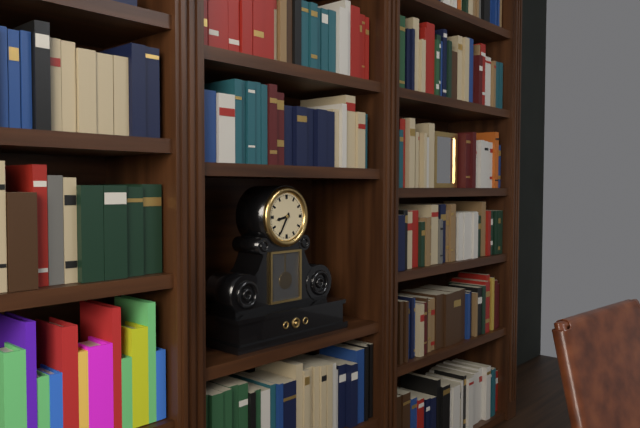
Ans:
h=8 m=35
